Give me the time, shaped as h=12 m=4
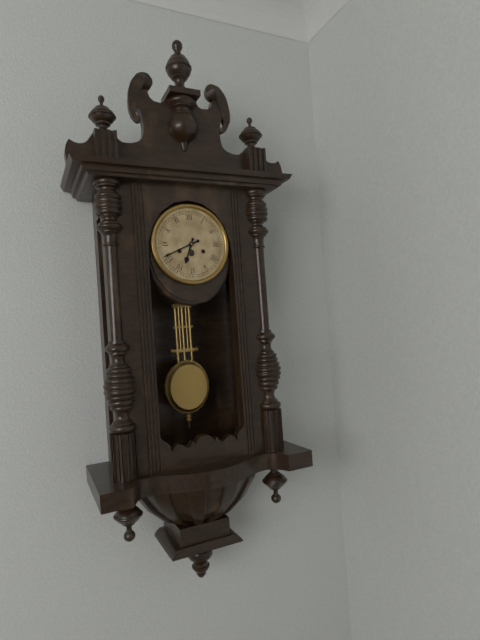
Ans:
h=6 m=41
